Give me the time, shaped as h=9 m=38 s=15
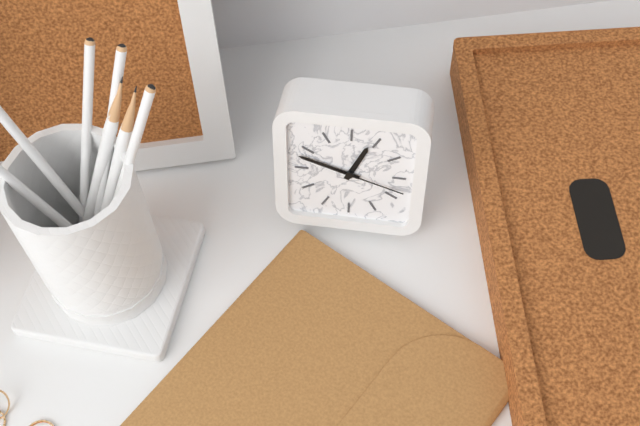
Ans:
h=12 m=48 s=18
